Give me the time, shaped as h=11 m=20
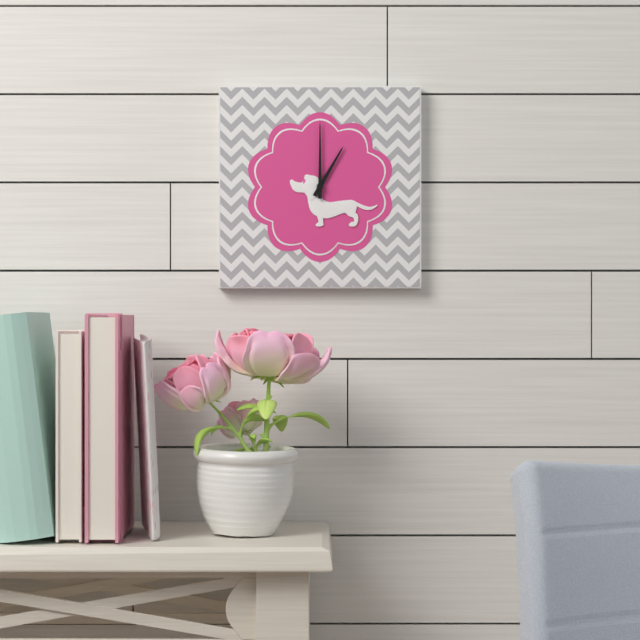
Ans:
h=1 m=0
